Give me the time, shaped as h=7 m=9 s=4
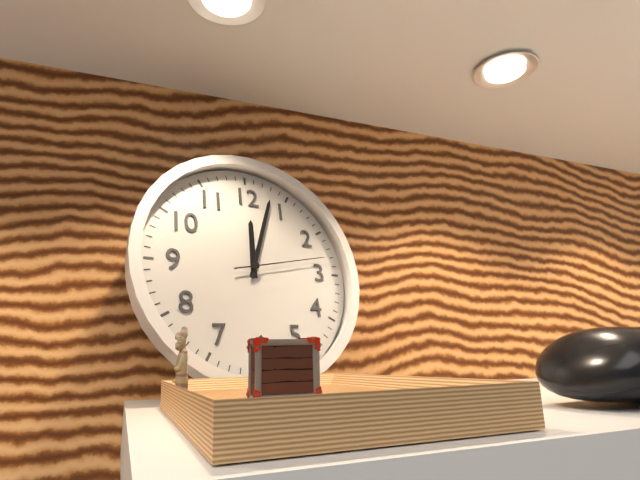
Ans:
h=12 m=3 s=13
